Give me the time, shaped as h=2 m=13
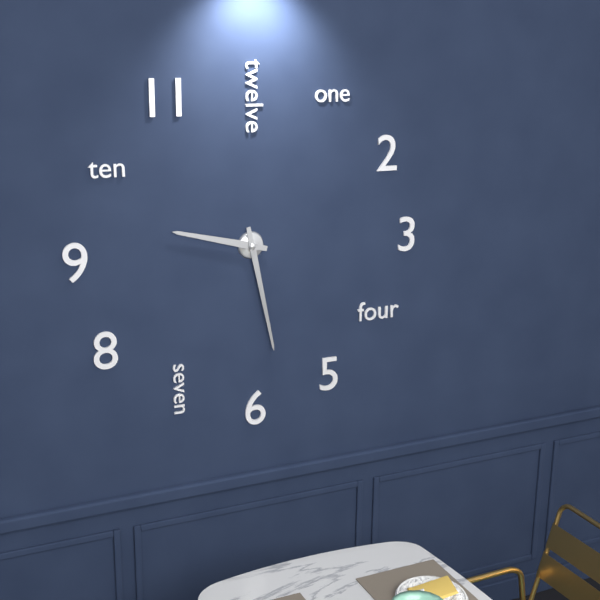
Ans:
h=9 m=28
